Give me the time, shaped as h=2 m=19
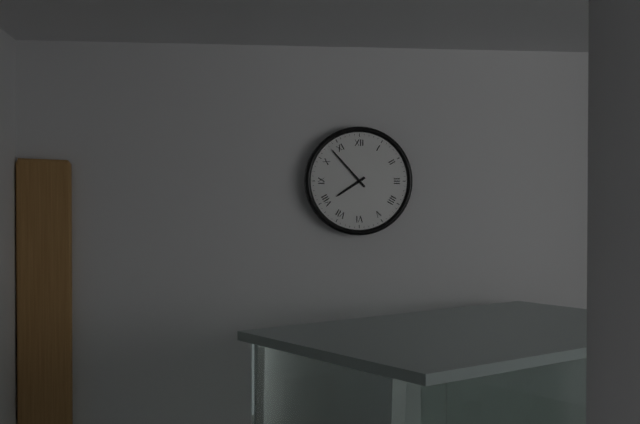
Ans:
h=7 m=53
